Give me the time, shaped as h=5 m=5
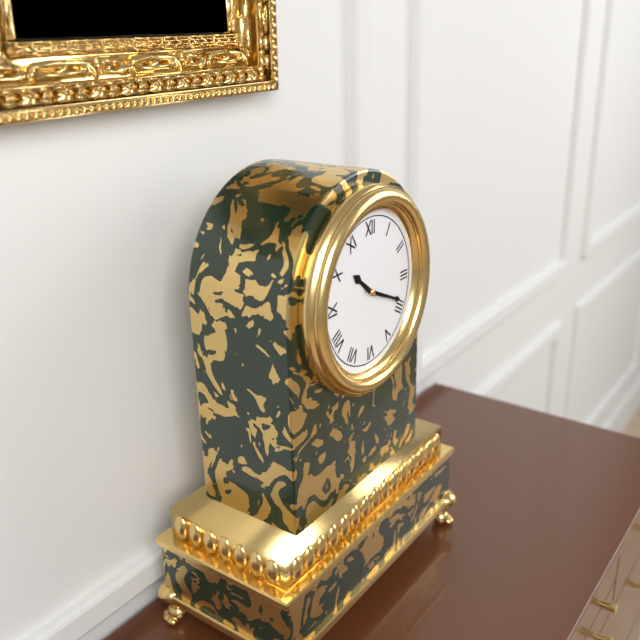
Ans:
h=10 m=19
